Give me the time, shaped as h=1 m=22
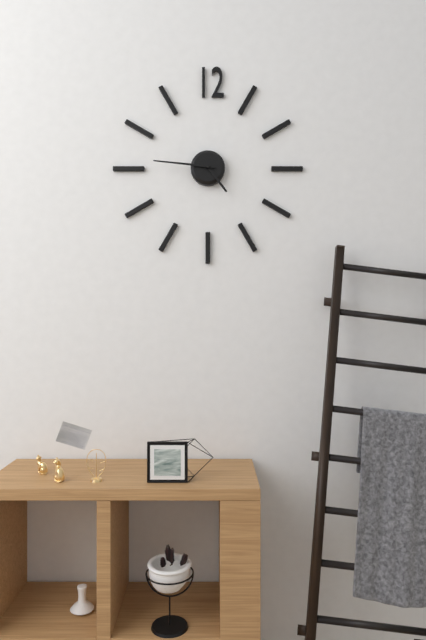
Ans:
h=4 m=46
